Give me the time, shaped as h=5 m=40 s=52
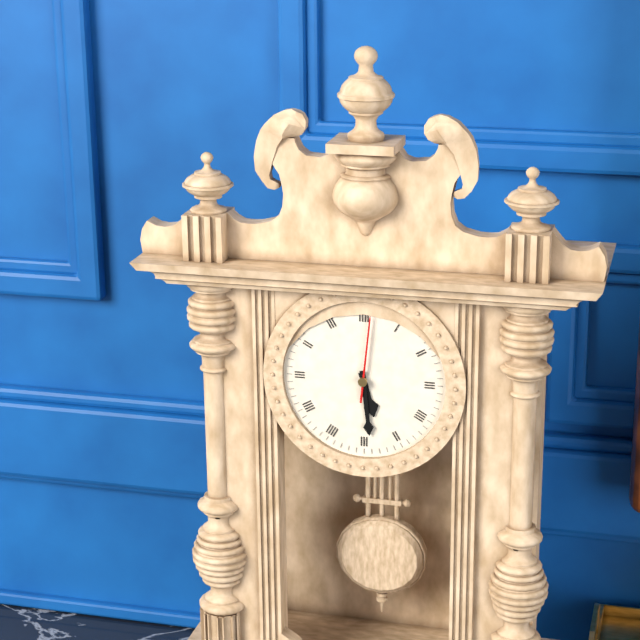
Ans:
h=5 m=29 s=1
